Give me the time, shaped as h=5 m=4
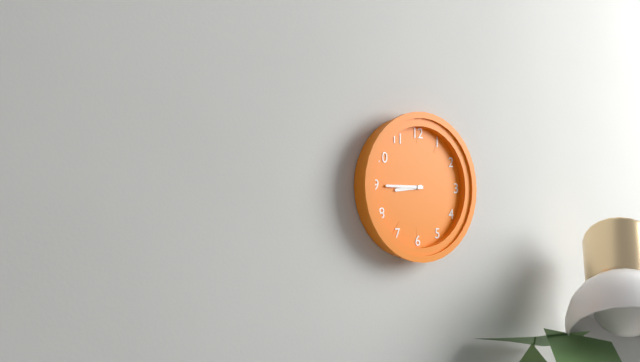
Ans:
h=8 m=45
